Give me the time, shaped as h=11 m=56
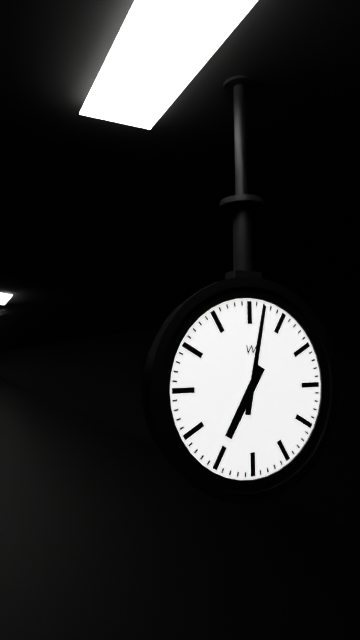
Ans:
h=7 m=2
